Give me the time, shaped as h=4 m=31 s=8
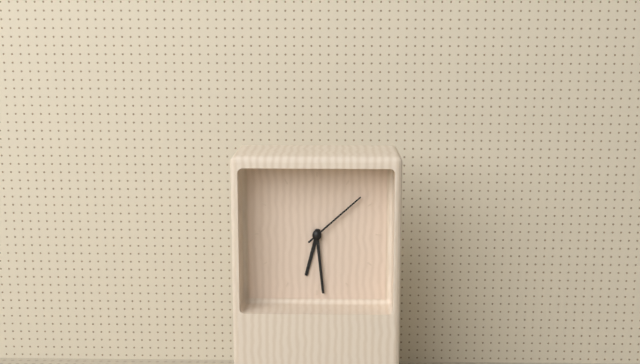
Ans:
h=6 m=29 s=8
